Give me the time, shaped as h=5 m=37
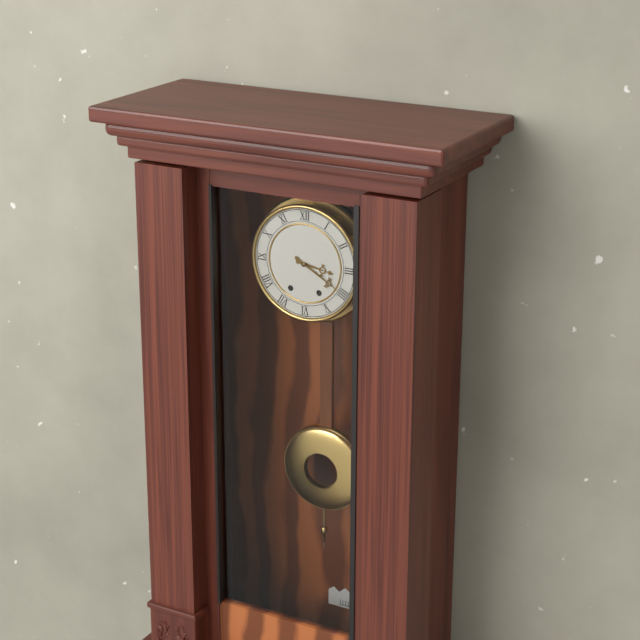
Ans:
h=3 m=20
